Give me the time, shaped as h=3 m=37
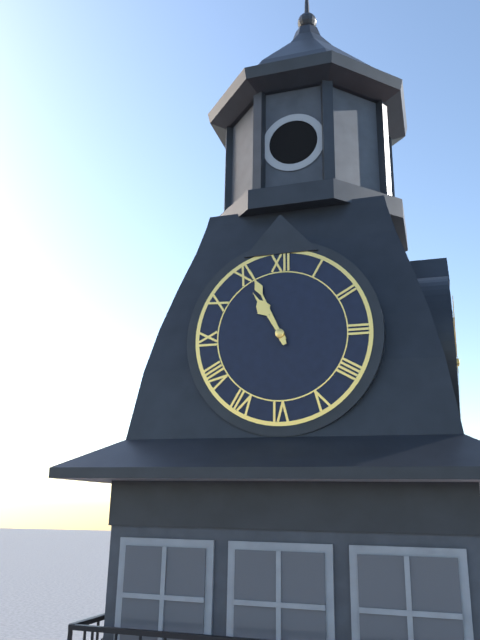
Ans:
h=10 m=56
